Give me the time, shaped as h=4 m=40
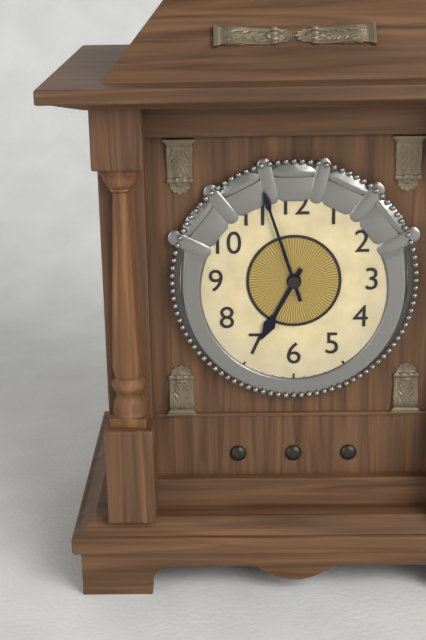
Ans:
h=6 m=57
